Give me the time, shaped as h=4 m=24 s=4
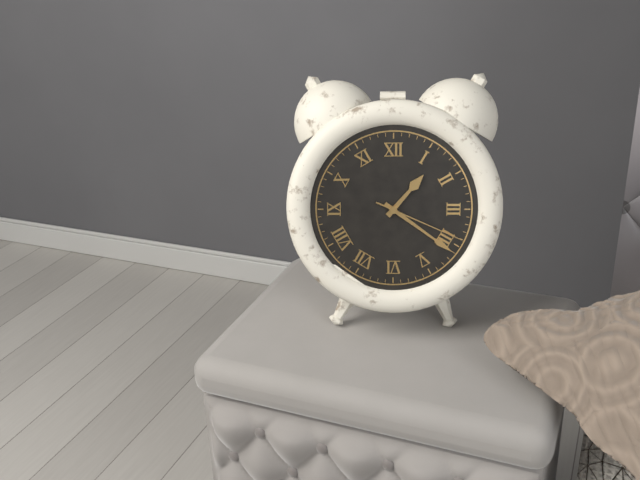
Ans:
h=1 m=21 s=19
